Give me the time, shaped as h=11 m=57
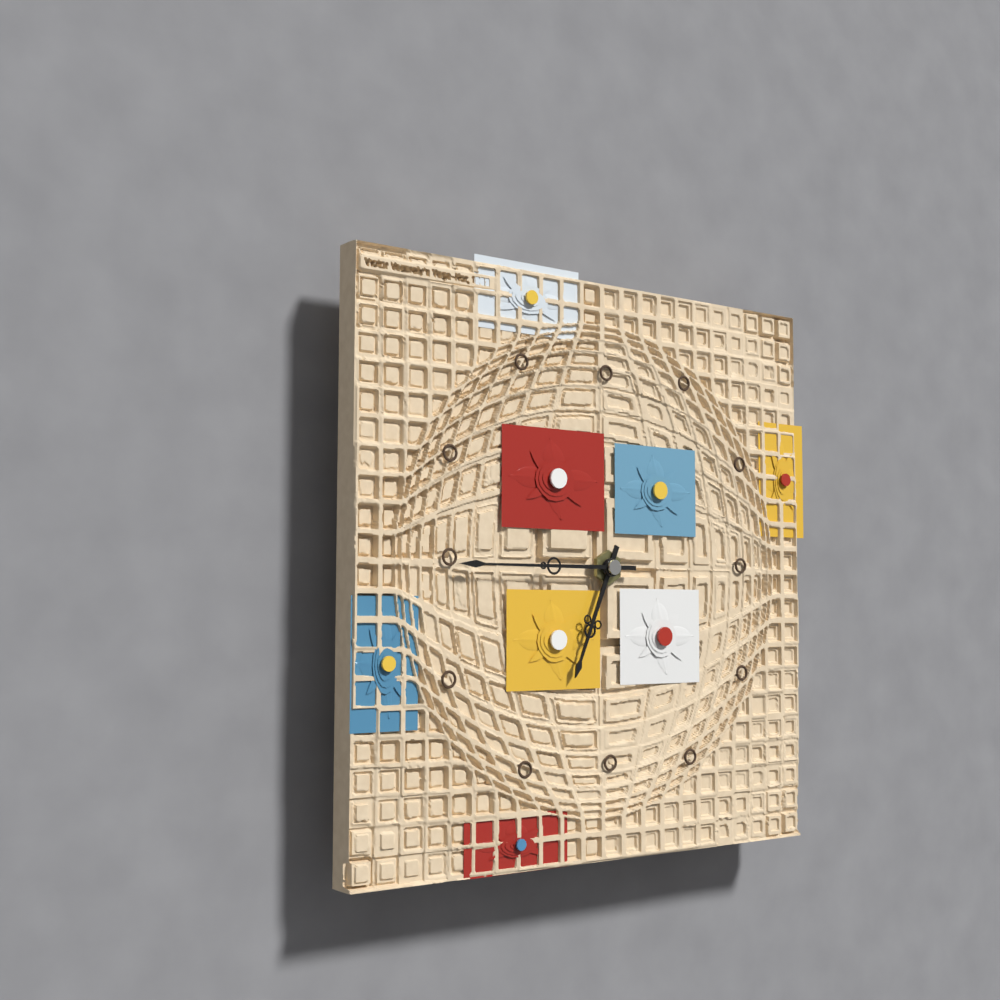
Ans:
h=6 m=45
